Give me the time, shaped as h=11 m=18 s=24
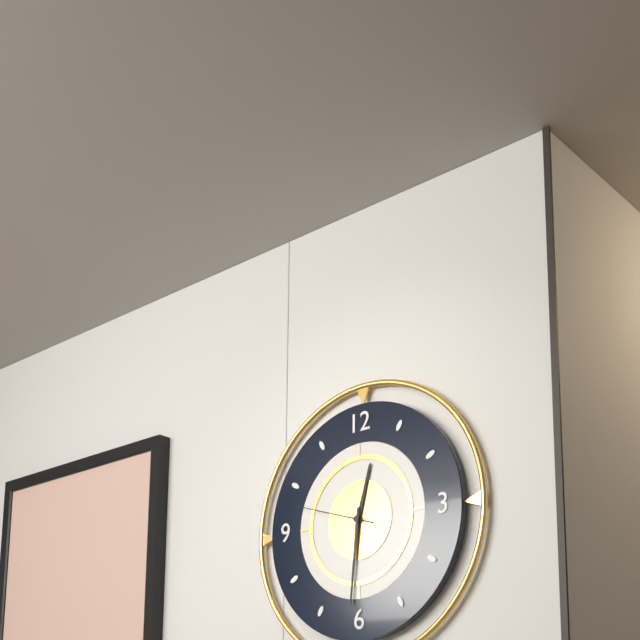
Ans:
h=12 m=31 s=48
